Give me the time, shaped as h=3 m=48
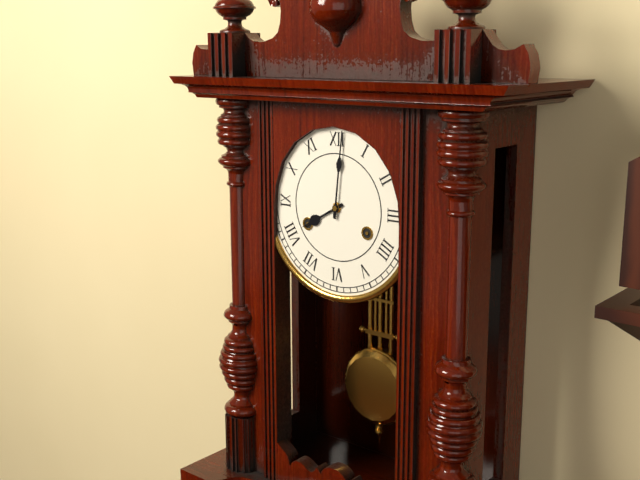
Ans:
h=8 m=1
